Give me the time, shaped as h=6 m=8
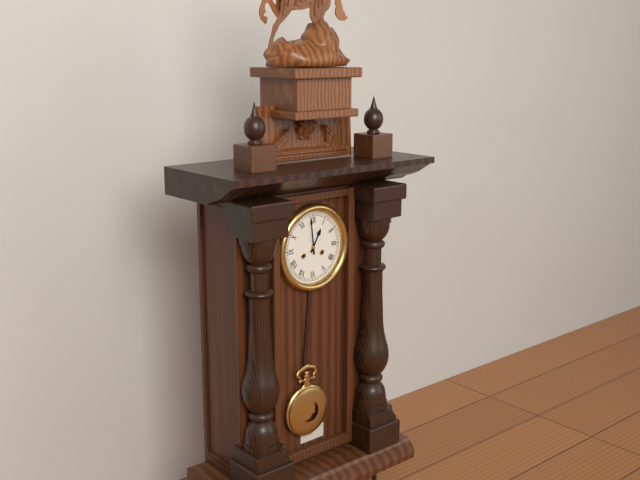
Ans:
h=12 m=59
